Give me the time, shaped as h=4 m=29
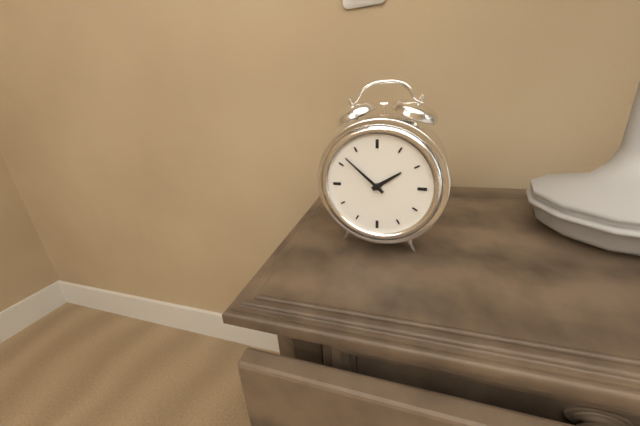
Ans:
h=1 m=52
